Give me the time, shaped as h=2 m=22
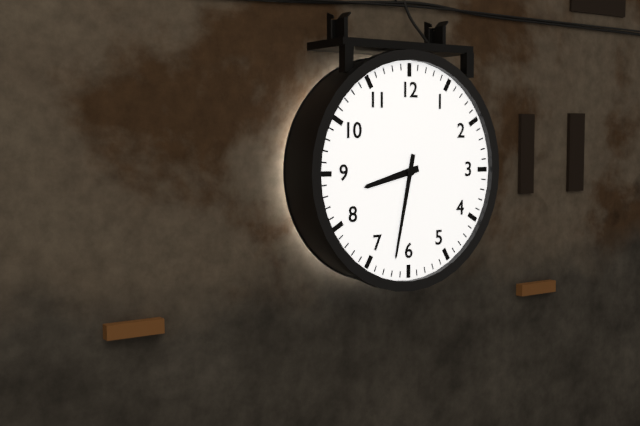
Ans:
h=8 m=32
